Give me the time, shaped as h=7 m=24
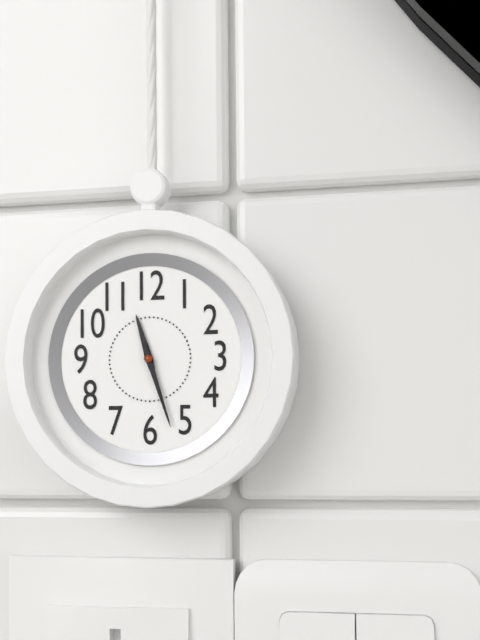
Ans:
h=11 m=27
